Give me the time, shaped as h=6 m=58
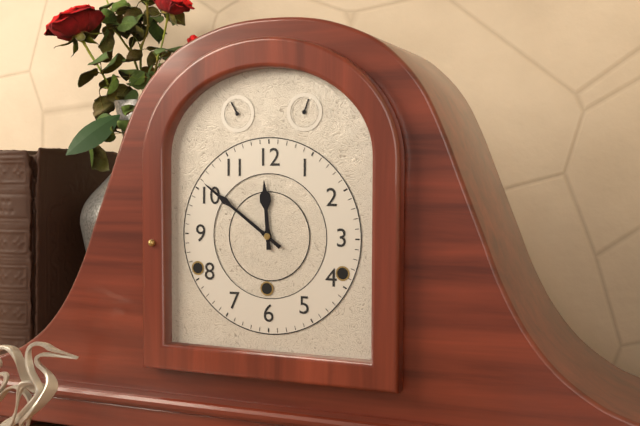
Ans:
h=11 m=51
